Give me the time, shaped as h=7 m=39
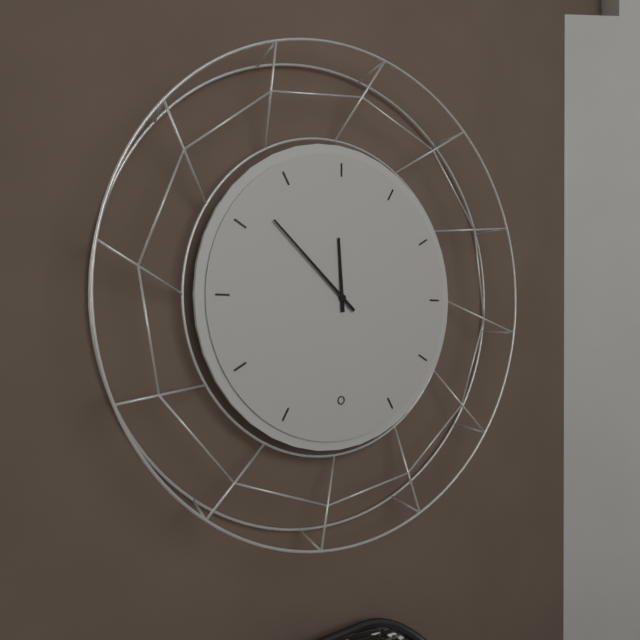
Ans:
h=11 m=52
